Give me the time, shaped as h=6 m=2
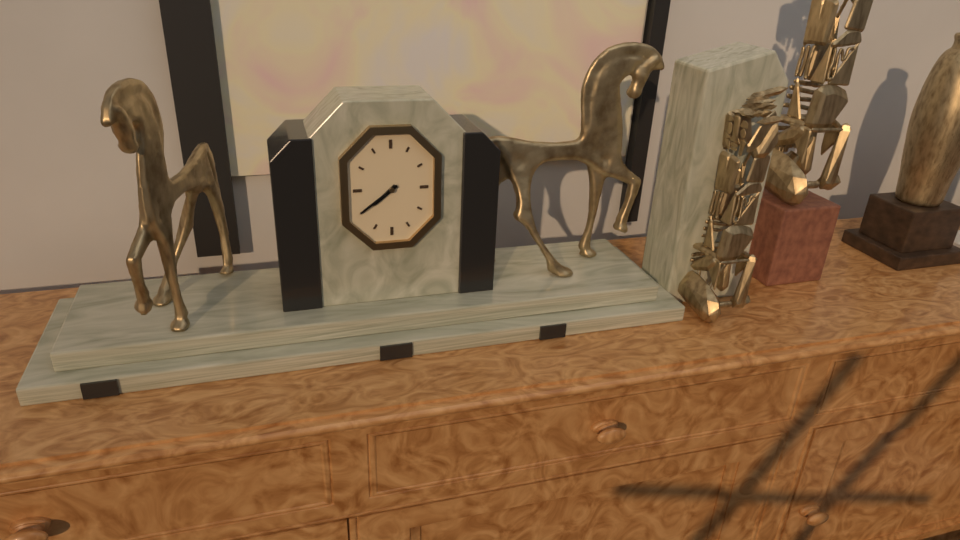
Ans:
h=7 m=39
